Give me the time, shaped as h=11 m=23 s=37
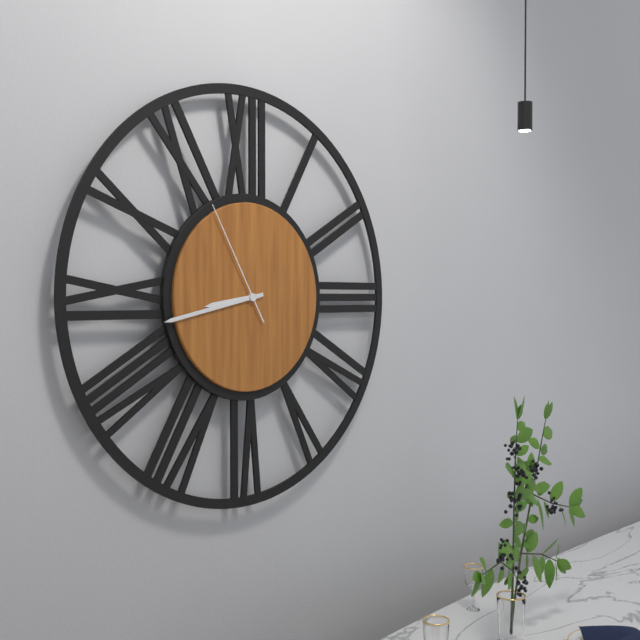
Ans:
h=8 m=43 s=55
